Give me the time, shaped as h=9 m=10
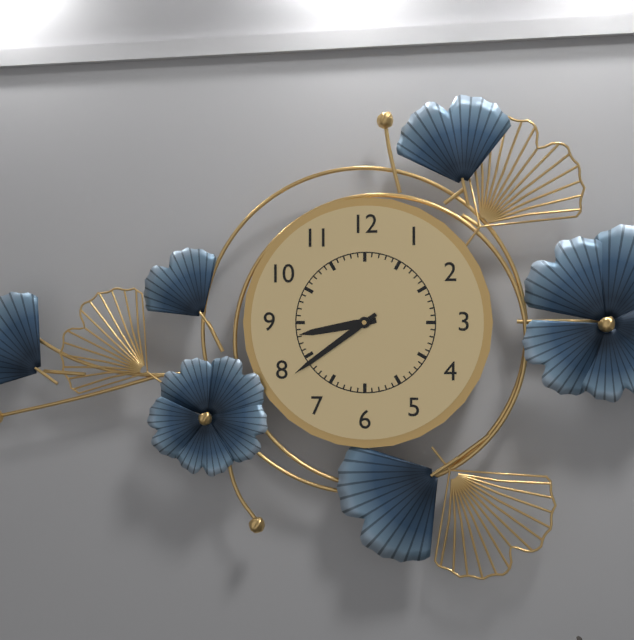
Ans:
h=8 m=39
